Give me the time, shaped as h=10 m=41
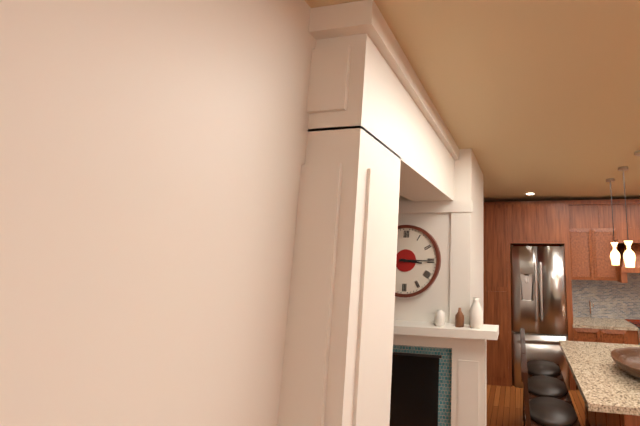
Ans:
h=3 m=15
